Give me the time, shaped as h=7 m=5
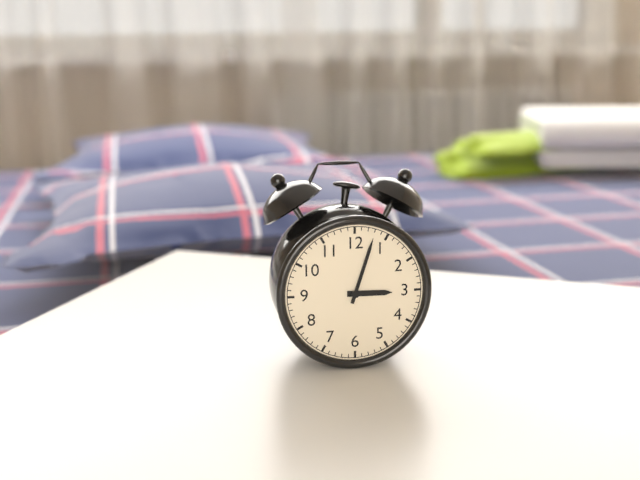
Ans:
h=3 m=3
